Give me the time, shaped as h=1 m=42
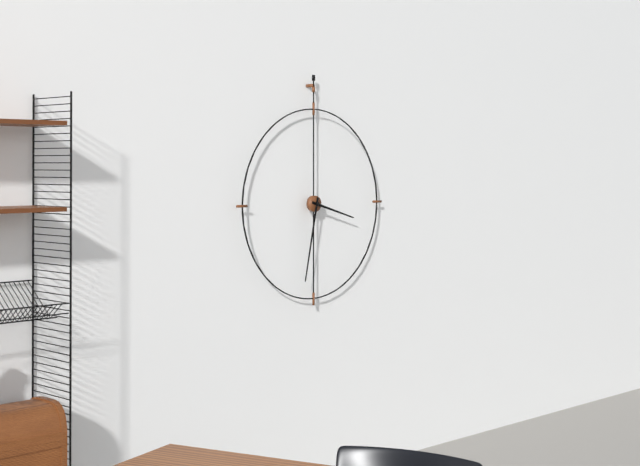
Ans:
h=3 m=32
